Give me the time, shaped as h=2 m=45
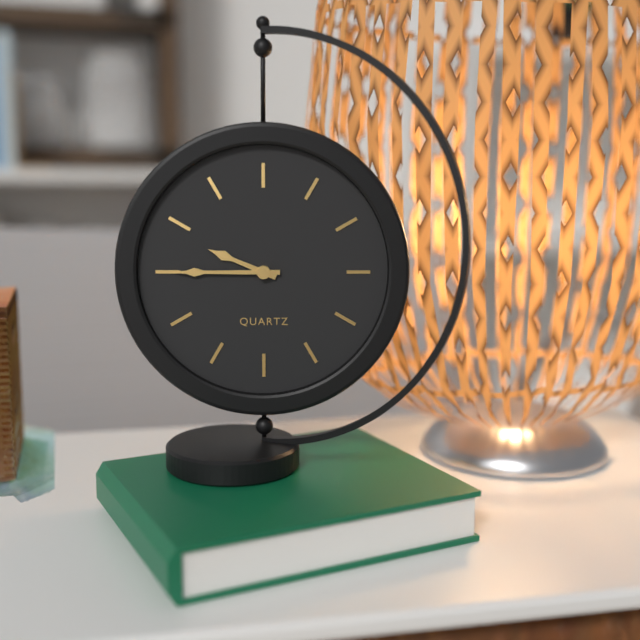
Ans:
h=9 m=45
